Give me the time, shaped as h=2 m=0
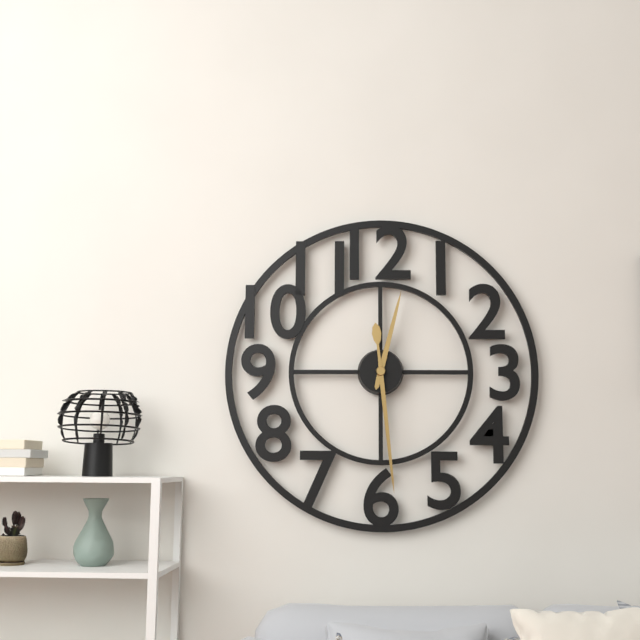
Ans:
h=12 m=29
